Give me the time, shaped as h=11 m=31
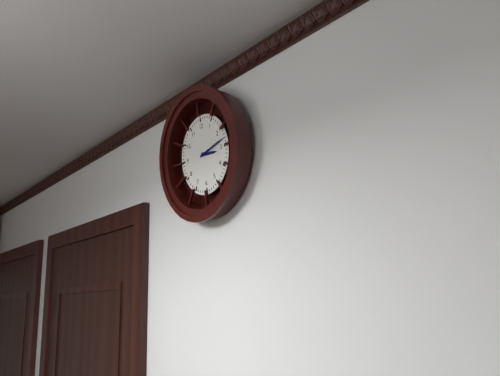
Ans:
h=3 m=13
